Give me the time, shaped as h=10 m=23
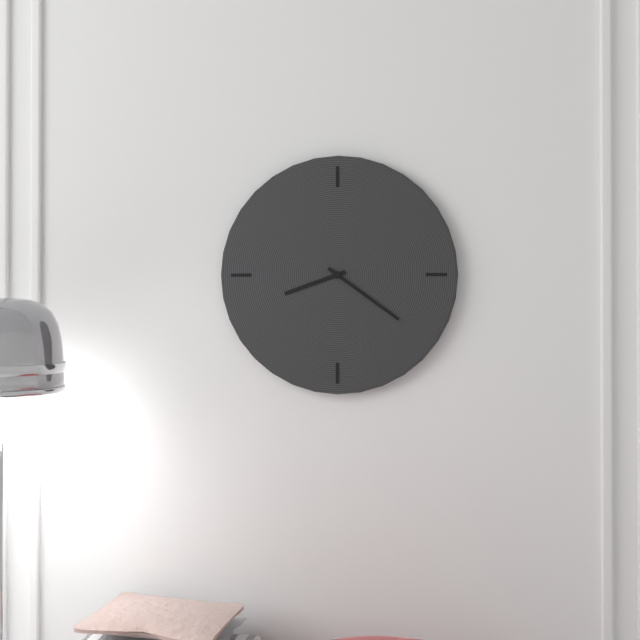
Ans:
h=8 m=21
